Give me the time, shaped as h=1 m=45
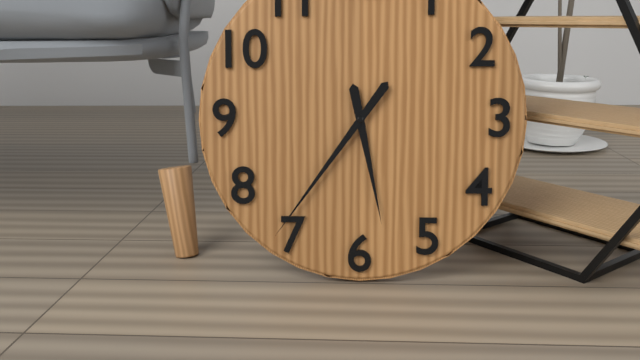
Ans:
h=5 m=36
